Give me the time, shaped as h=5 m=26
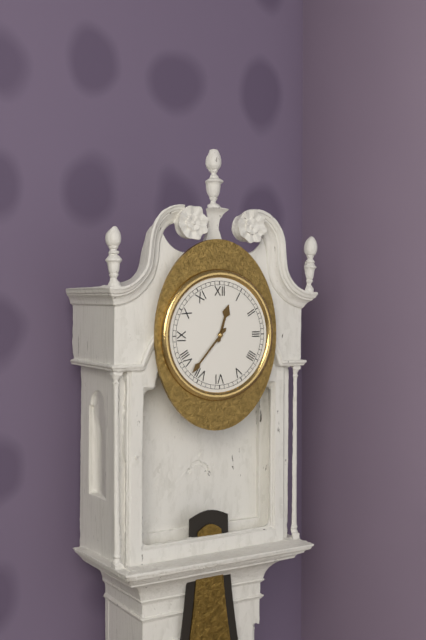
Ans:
h=12 m=37
